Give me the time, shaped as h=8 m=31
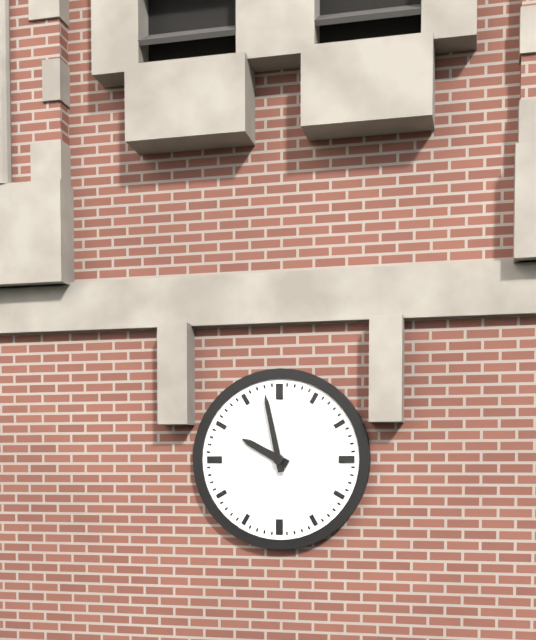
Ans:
h=9 m=58
